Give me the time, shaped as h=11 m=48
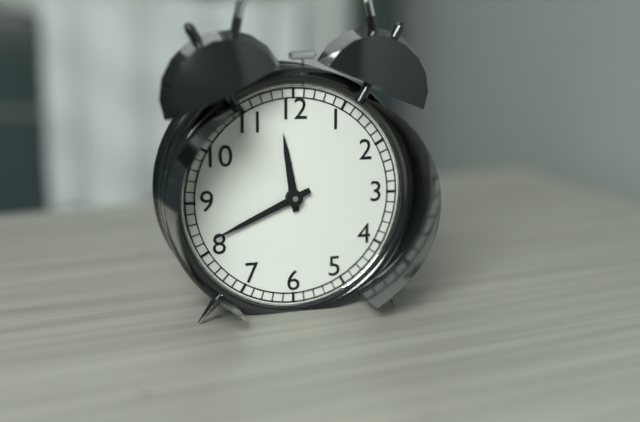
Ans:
h=11 m=41
